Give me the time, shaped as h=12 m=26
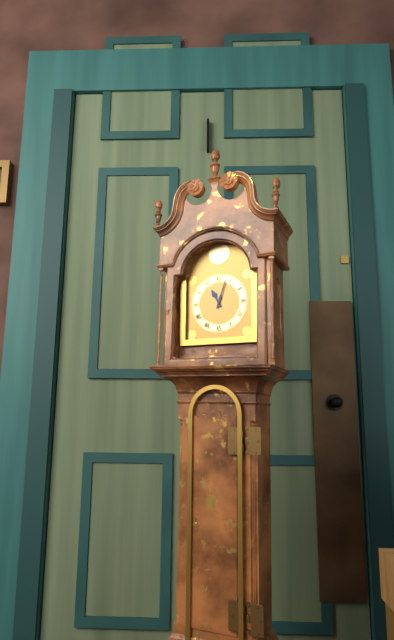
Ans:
h=11 m=3
